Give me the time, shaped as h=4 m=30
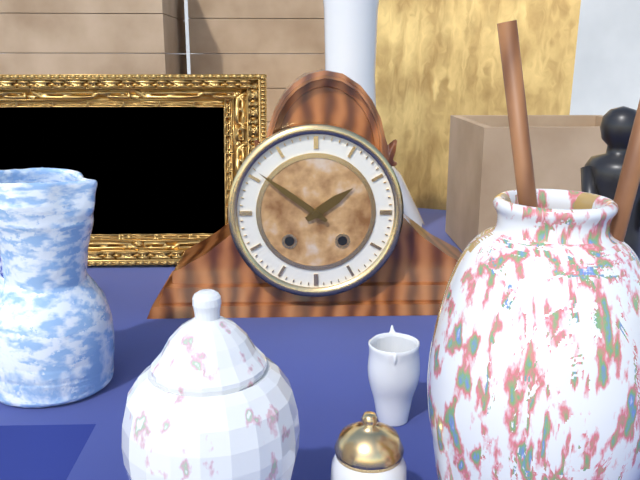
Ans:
h=1 m=51
